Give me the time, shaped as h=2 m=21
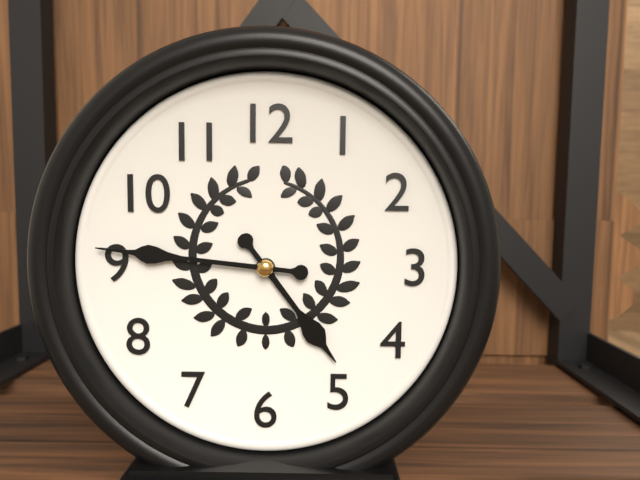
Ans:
h=4 m=46
